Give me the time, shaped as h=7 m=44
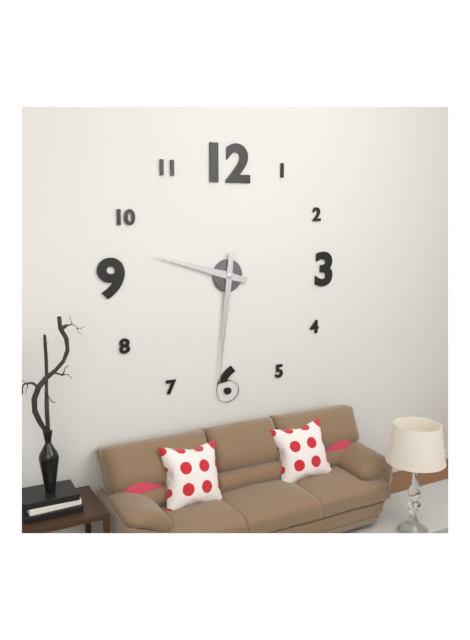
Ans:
h=9 m=31
